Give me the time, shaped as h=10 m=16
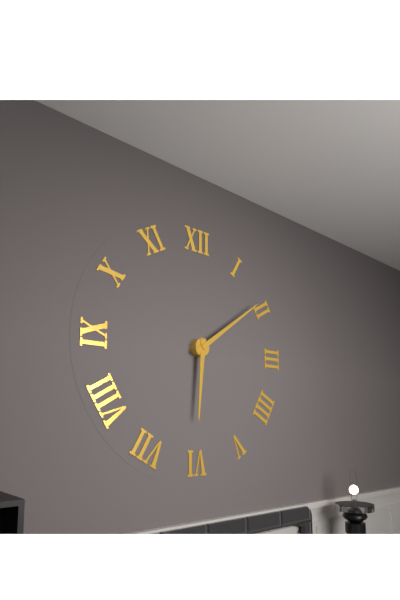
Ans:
h=6 m=9
